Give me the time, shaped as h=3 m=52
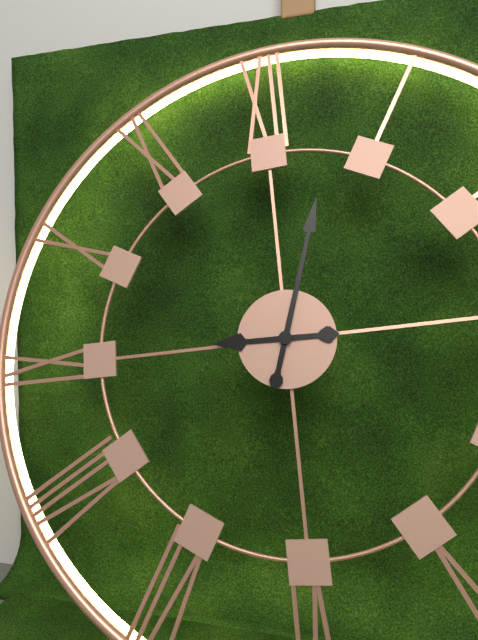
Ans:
h=9 m=3
